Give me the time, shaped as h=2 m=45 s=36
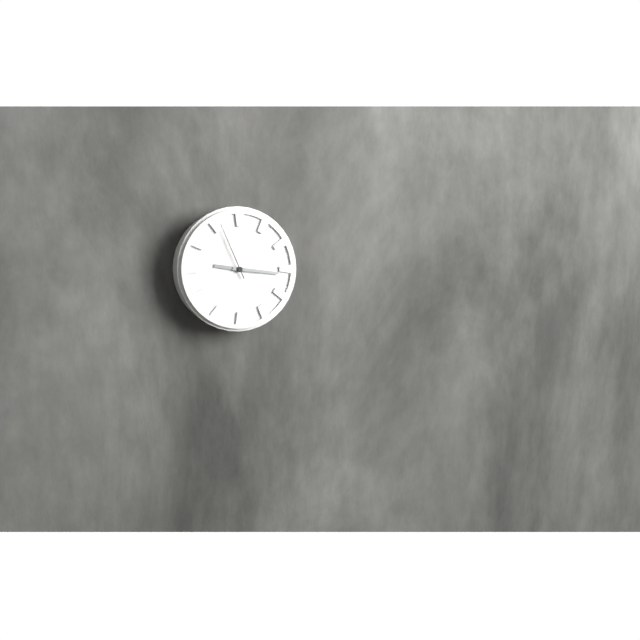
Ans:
h=9 m=16 s=56
